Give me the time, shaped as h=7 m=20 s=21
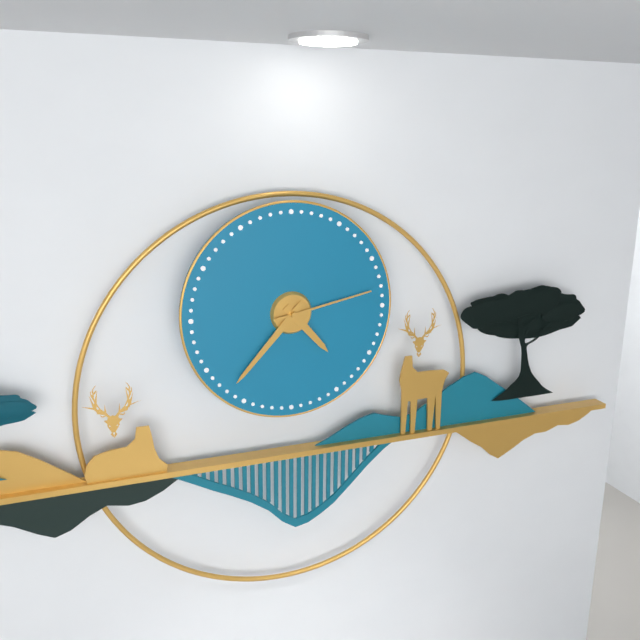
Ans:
h=4 m=37 s=13
